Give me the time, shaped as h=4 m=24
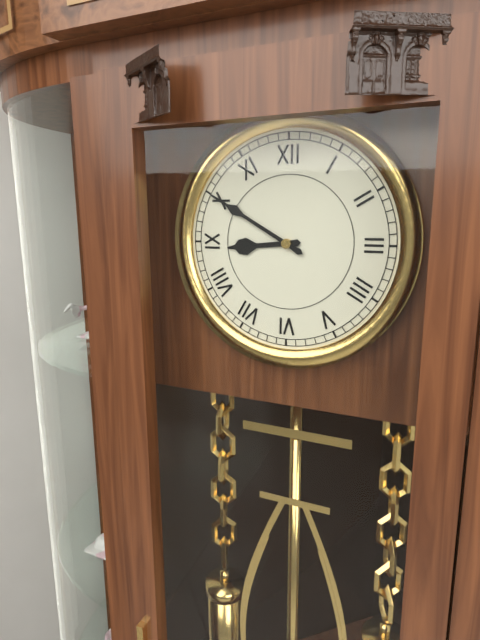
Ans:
h=8 m=50
